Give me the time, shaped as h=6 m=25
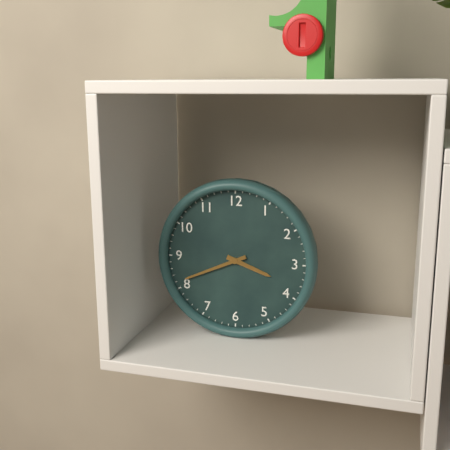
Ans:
h=3 m=41
